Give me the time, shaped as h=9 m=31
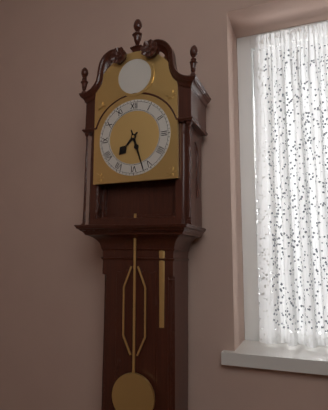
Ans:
h=7 m=27
